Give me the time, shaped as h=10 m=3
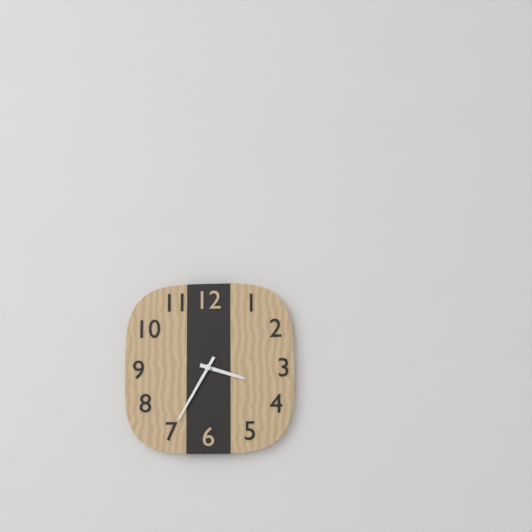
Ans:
h=3 m=35
